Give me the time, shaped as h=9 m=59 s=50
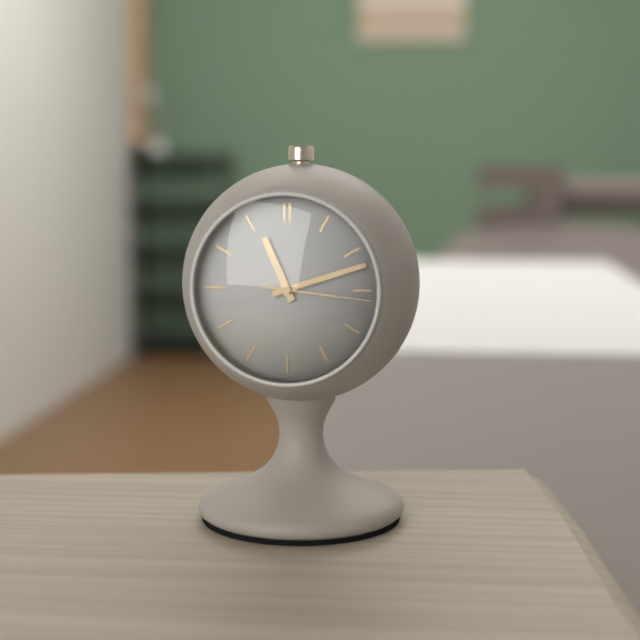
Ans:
h=11 m=12 s=16
